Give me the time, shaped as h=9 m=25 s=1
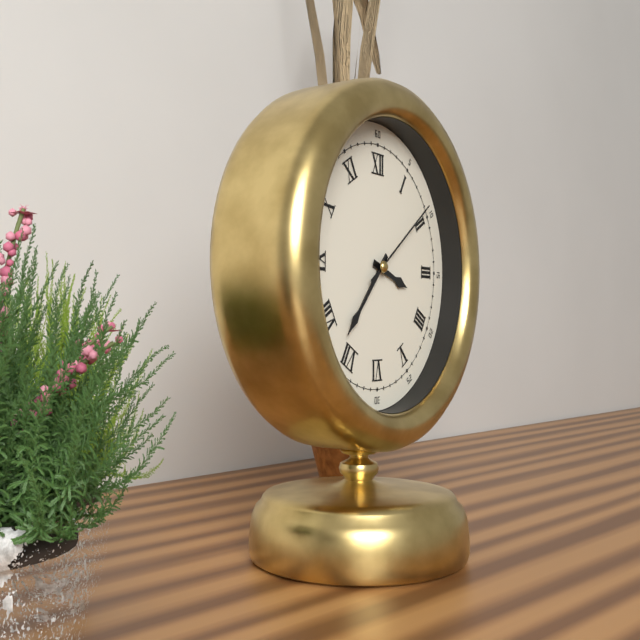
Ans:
h=3 m=37 s=9
